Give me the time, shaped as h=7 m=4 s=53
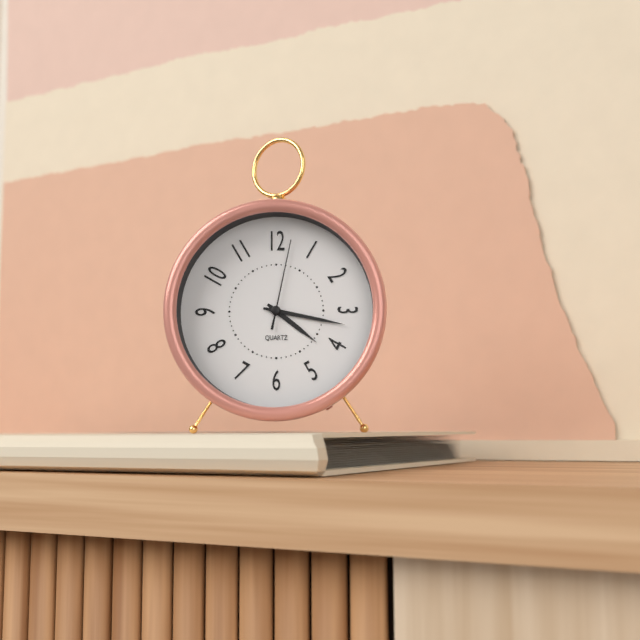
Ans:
h=4 m=17 s=2
